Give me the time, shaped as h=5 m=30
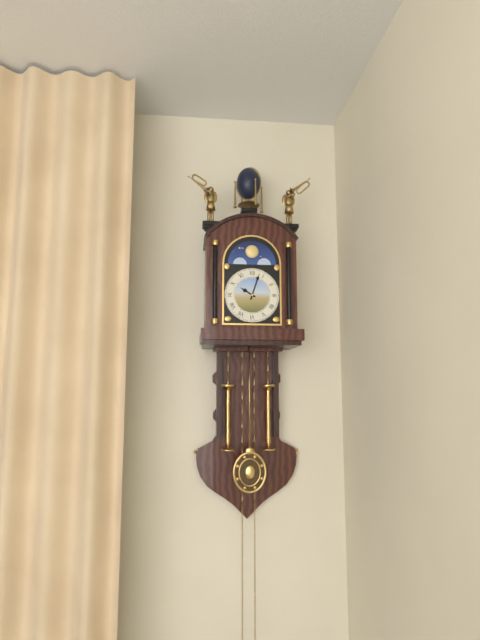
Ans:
h=10 m=3
